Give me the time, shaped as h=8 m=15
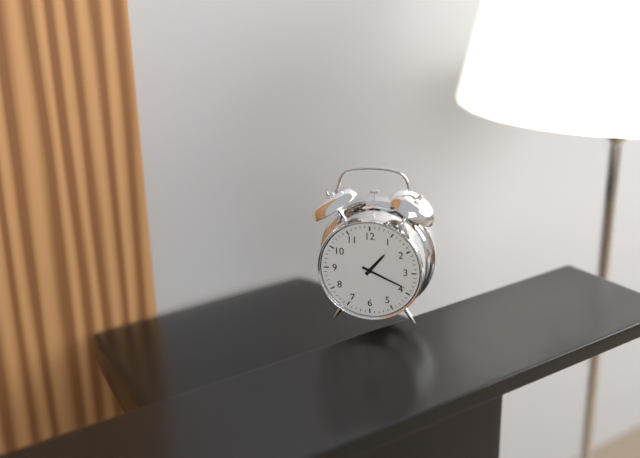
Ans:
h=1 m=19
